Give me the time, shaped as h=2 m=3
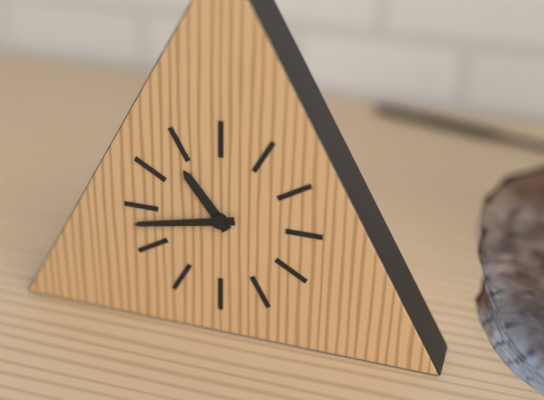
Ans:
h=10 m=43
